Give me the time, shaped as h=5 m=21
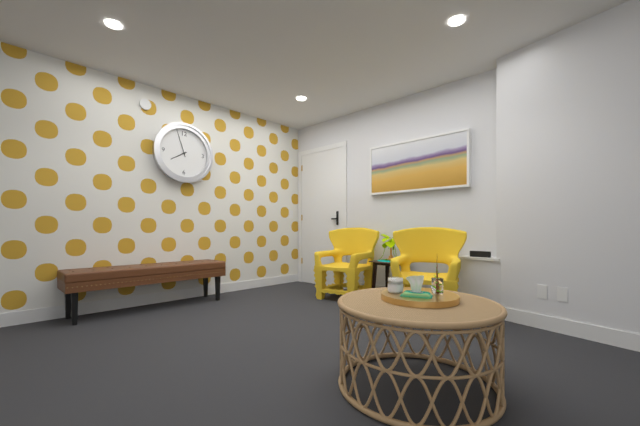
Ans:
h=7 m=57
